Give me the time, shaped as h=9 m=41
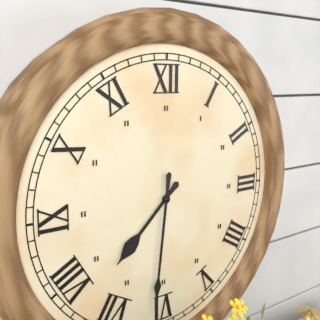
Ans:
h=7 m=31
